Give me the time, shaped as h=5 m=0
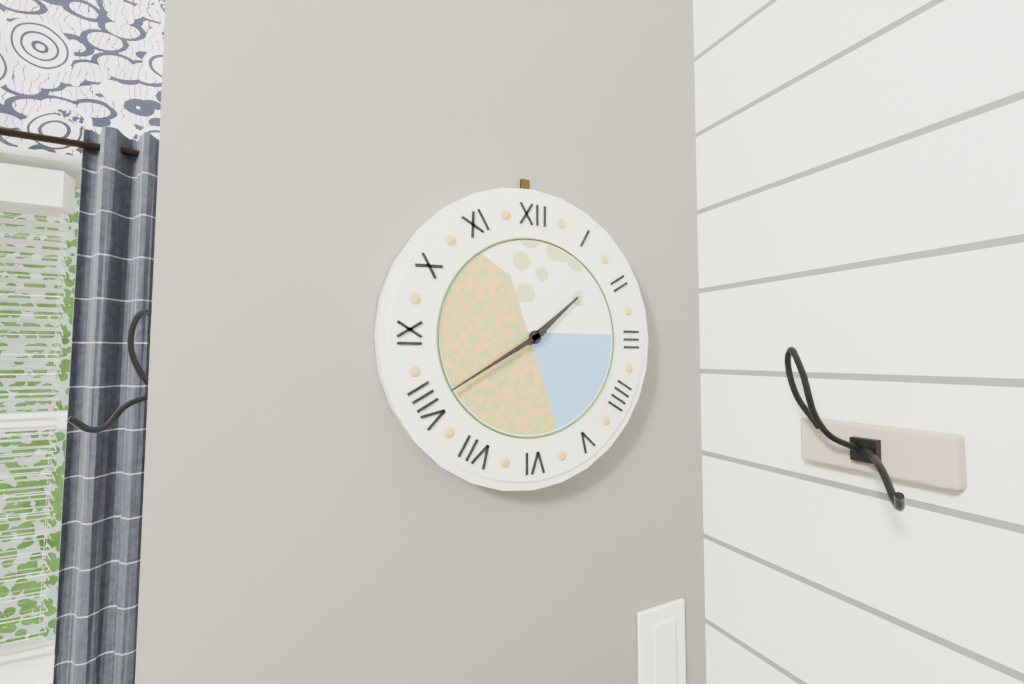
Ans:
h=1 m=40
